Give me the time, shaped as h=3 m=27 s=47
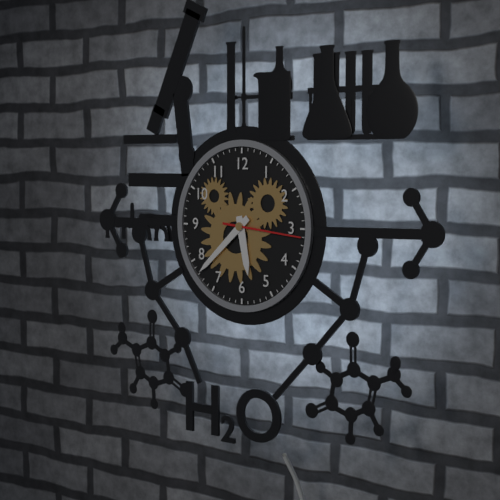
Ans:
h=5 m=38 s=16
